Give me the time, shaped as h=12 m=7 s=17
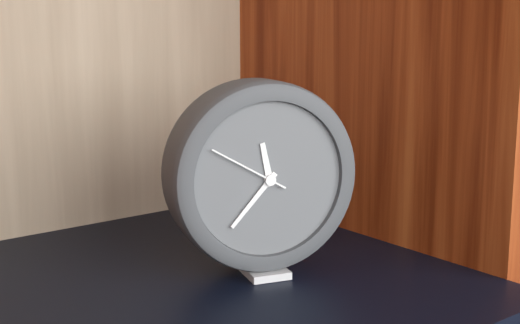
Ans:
h=11 m=37 s=50
